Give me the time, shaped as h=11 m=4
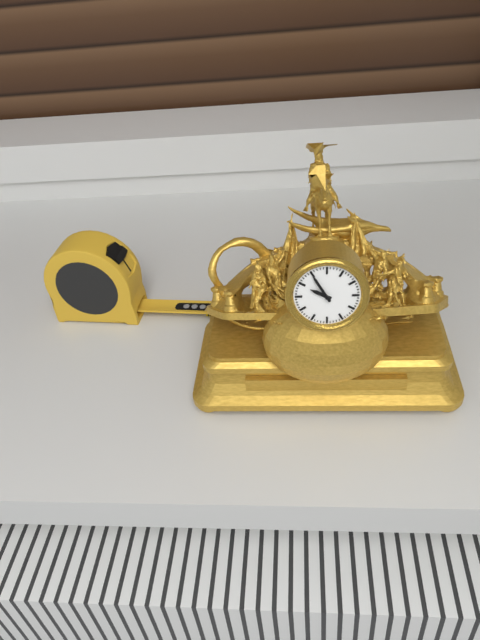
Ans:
h=9 m=55
